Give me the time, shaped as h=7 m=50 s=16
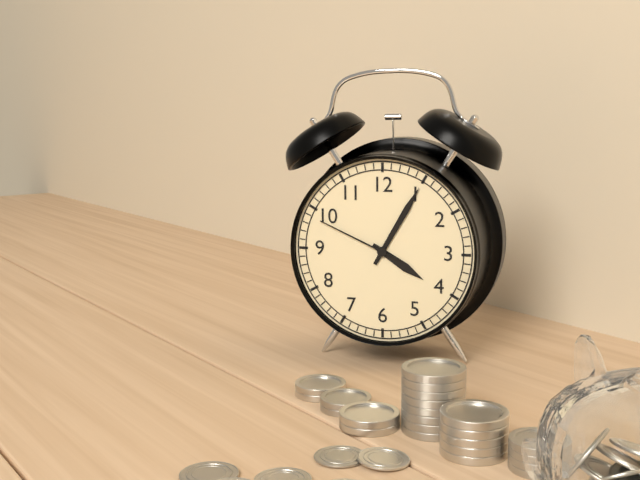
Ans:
h=4 m=5 s=49
